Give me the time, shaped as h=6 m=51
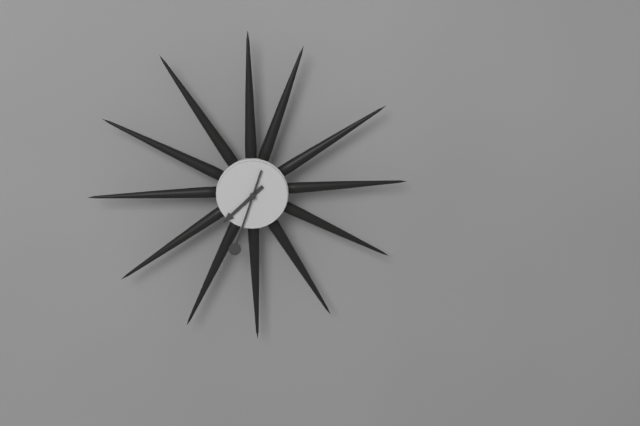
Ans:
h=7 m=33
